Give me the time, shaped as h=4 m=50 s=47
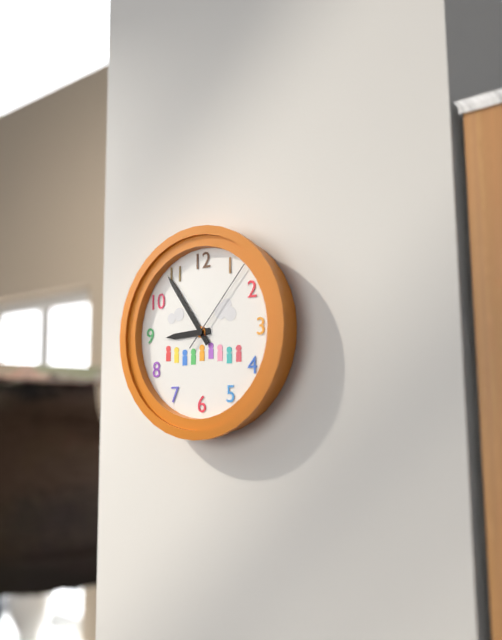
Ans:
h=8 m=54 s=7
